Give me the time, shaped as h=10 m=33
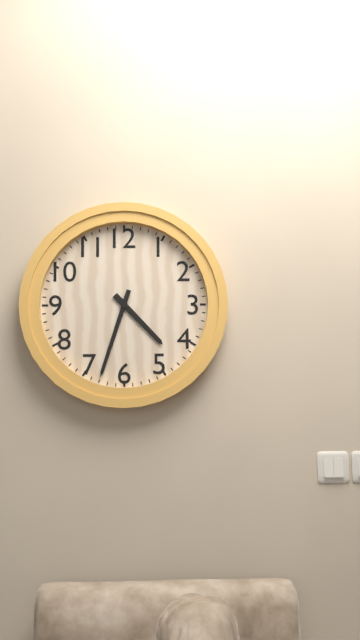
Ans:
h=4 m=33
